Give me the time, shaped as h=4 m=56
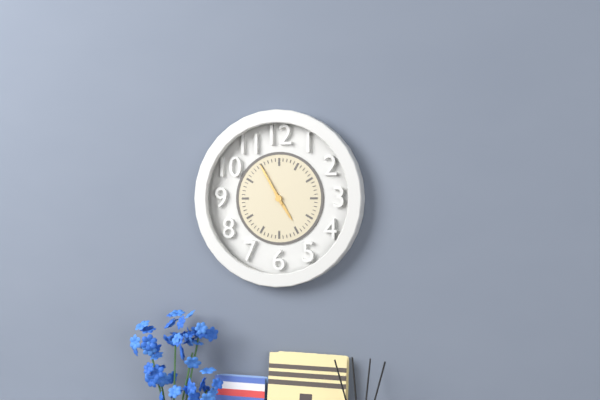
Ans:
h=4 m=55
